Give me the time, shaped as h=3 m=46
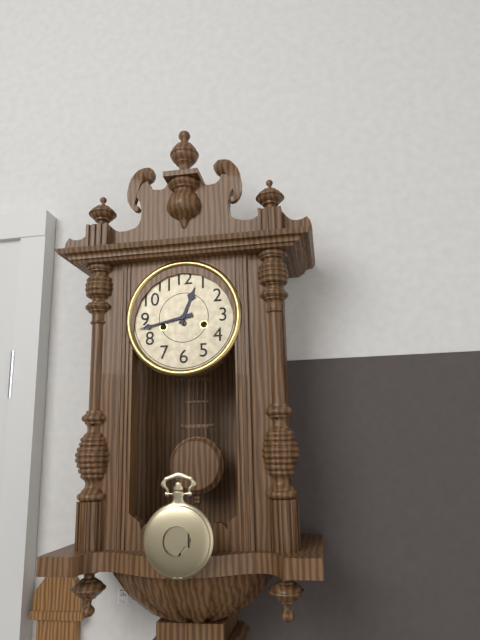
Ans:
h=12 m=43
